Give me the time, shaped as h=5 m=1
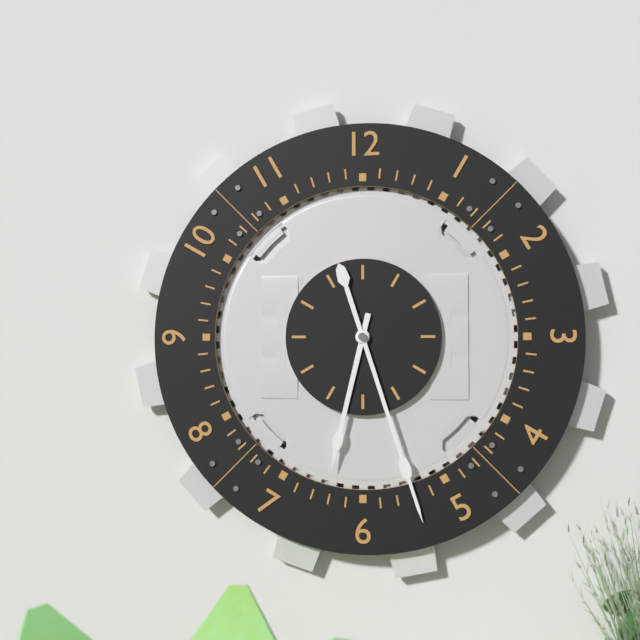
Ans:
h=6 m=27
